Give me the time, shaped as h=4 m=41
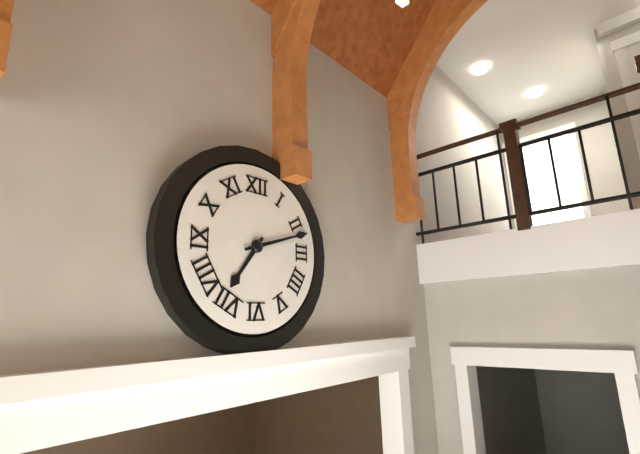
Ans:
h=7 m=12
